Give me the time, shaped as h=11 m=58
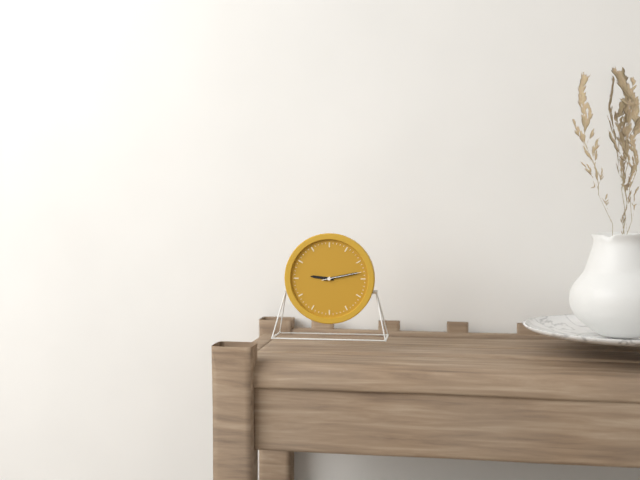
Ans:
h=9 m=13
